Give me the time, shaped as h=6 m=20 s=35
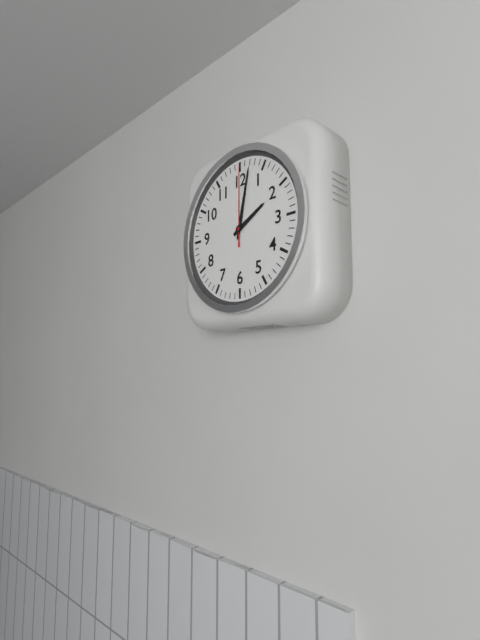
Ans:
h=2 m=2 s=0
